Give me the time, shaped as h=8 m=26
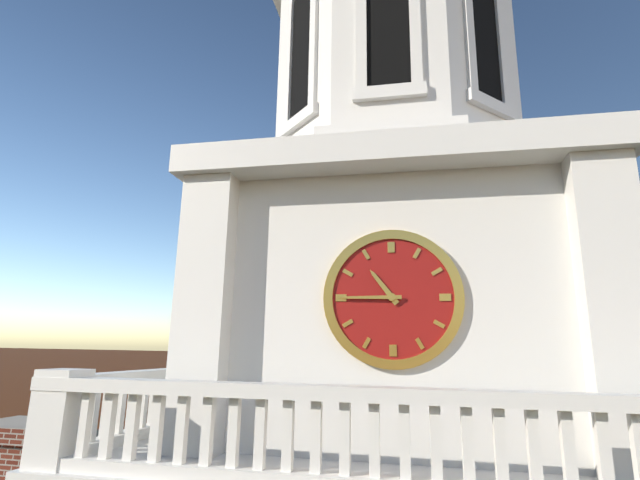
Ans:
h=10 m=45
